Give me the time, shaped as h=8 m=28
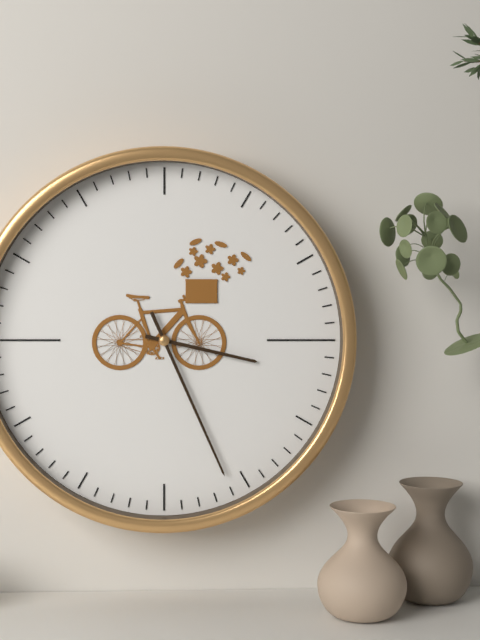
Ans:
h=3 m=26
